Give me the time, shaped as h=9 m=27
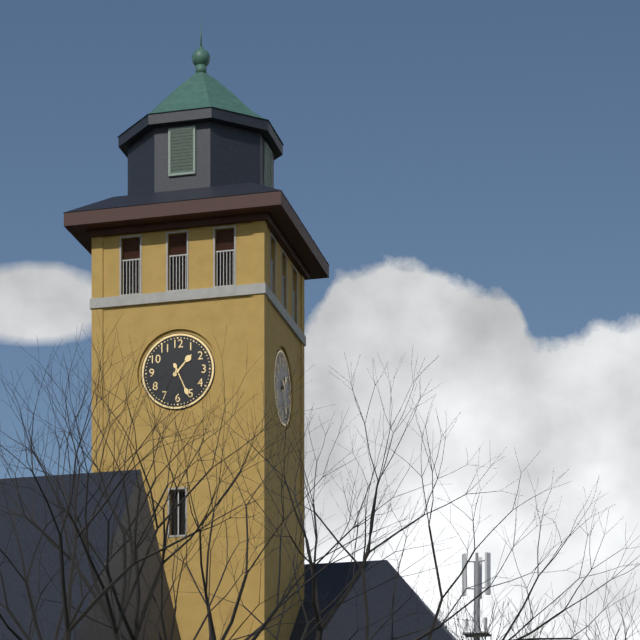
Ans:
h=1 m=26
